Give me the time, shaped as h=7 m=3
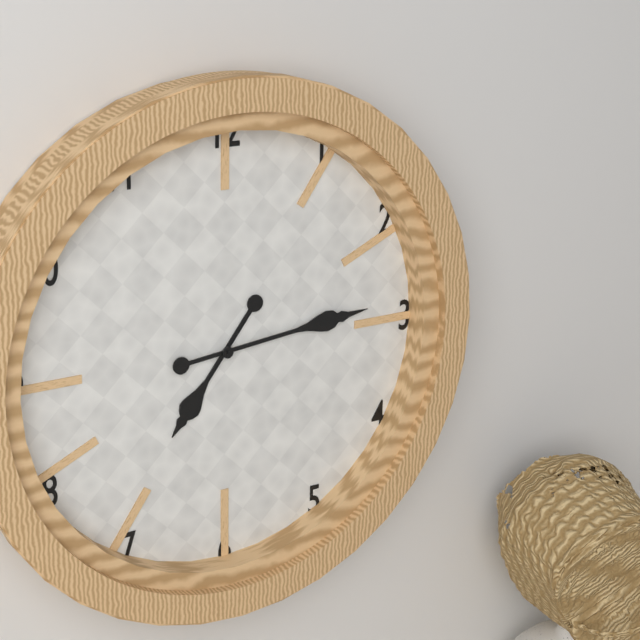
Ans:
h=7 m=14
